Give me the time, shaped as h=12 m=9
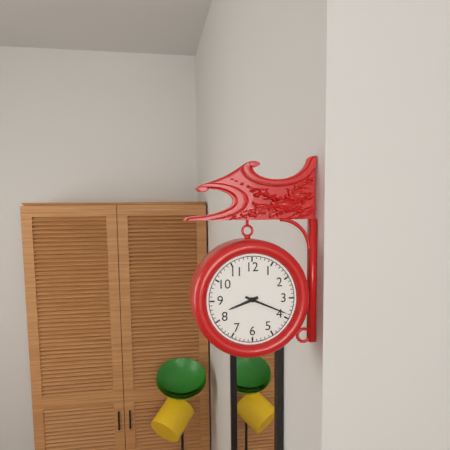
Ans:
h=8 m=19
